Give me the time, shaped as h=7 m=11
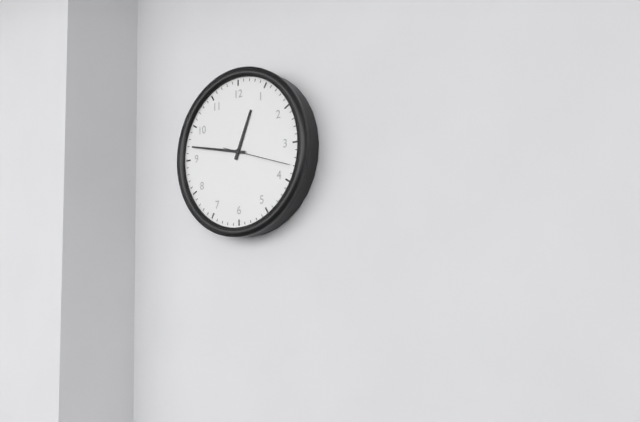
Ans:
h=12 m=47
